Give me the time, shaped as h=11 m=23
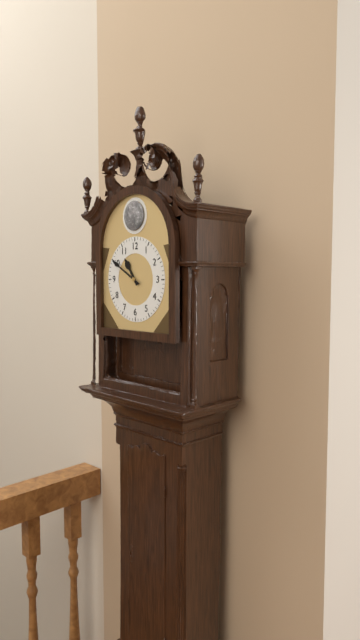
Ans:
h=10 m=50
